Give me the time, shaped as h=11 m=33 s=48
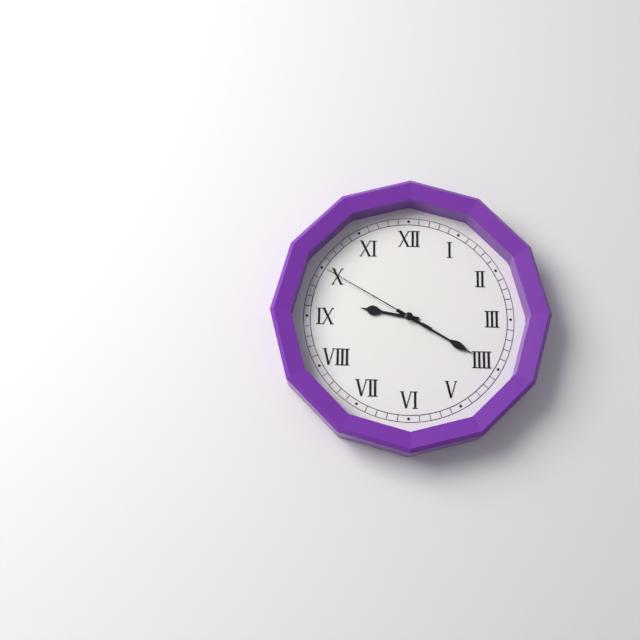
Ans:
h=9 m=20 s=50
